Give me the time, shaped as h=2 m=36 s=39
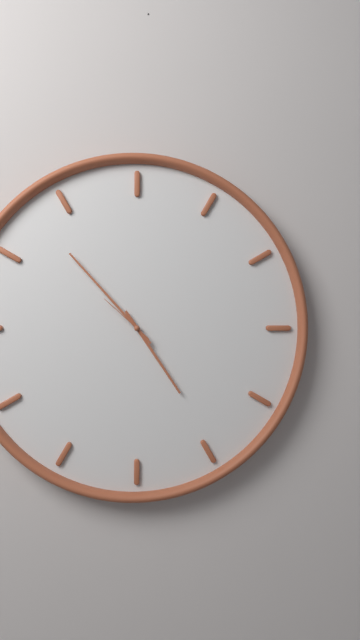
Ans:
h=4 m=53 s=52
